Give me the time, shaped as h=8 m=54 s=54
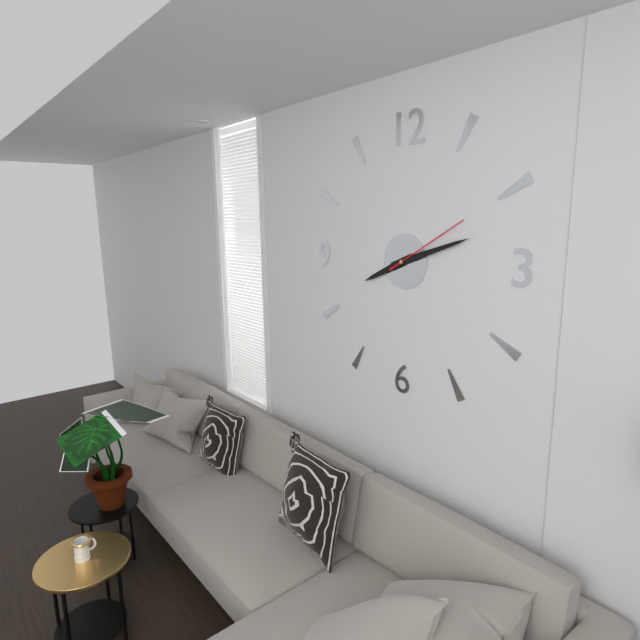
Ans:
h=8 m=12 s=10
